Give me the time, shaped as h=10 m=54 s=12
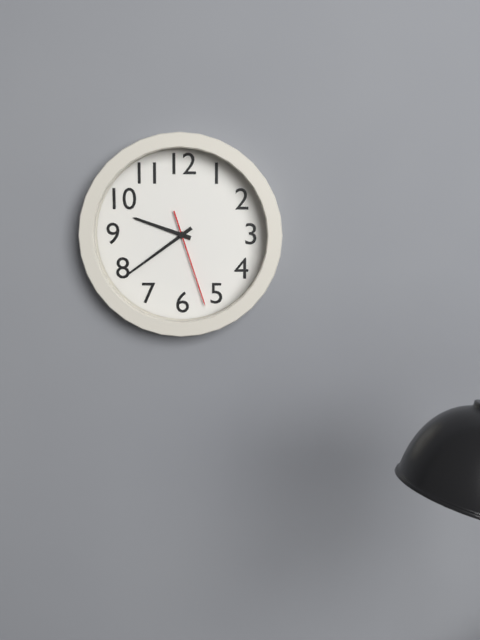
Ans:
h=9 m=39 s=27
